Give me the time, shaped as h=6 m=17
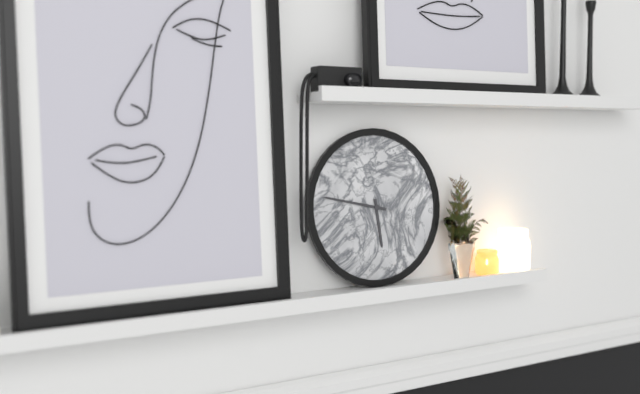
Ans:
h=5 m=47
